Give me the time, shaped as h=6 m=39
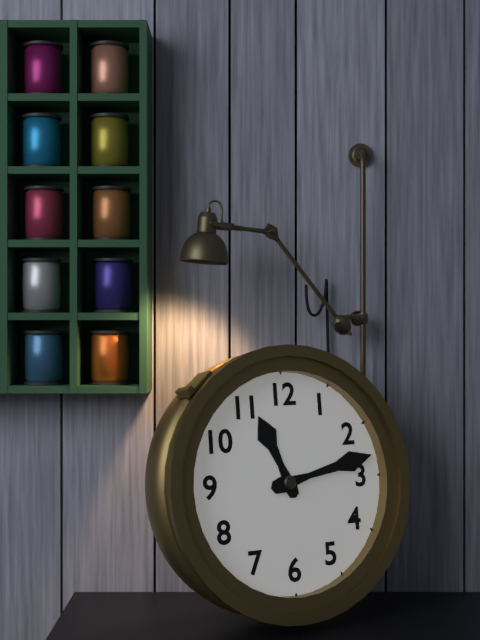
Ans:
h=11 m=13
